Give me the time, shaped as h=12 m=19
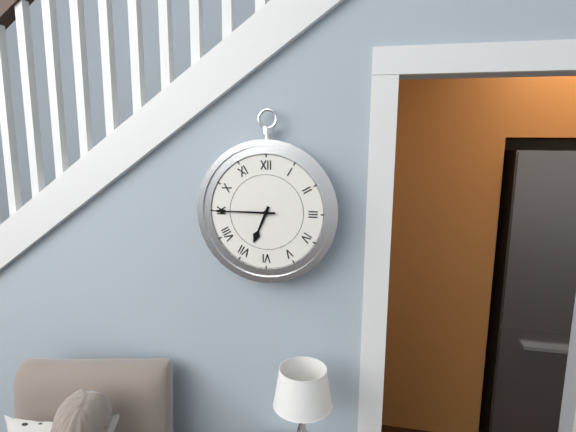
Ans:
h=6 m=45
